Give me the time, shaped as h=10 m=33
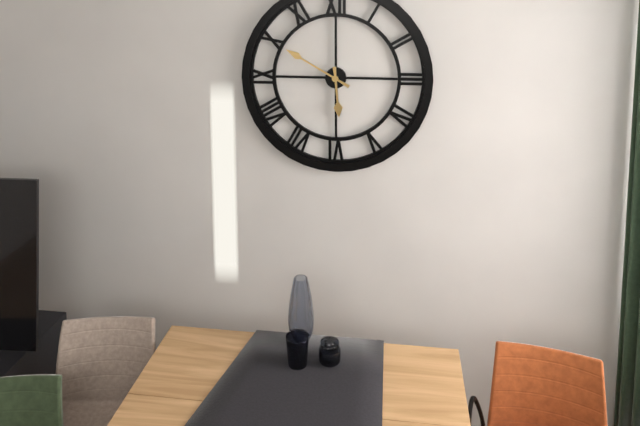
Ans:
h=5 m=50
